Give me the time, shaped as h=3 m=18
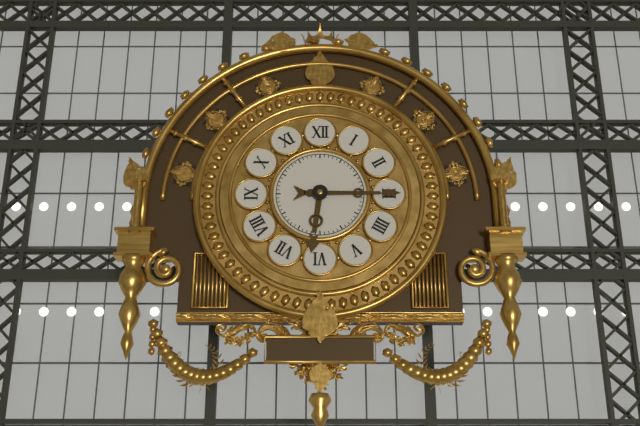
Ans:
h=6 m=15
